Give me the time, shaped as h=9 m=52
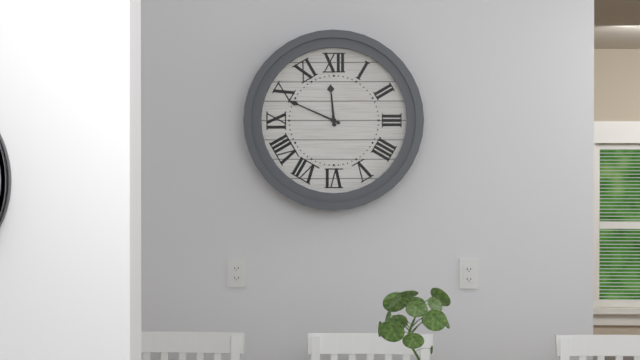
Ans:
h=11 m=49
